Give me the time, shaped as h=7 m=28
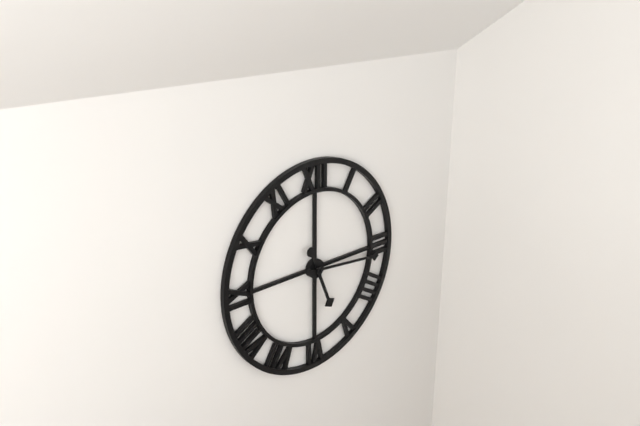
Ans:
h=5 m=16
